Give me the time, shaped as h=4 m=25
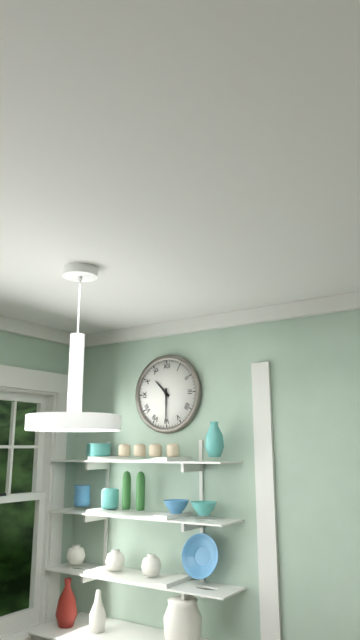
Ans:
h=10 m=30
